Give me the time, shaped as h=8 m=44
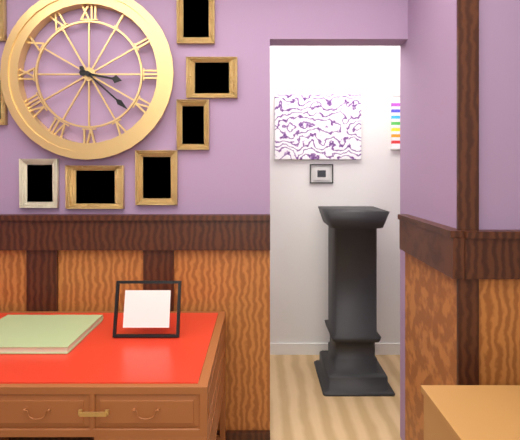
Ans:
h=3 m=22
